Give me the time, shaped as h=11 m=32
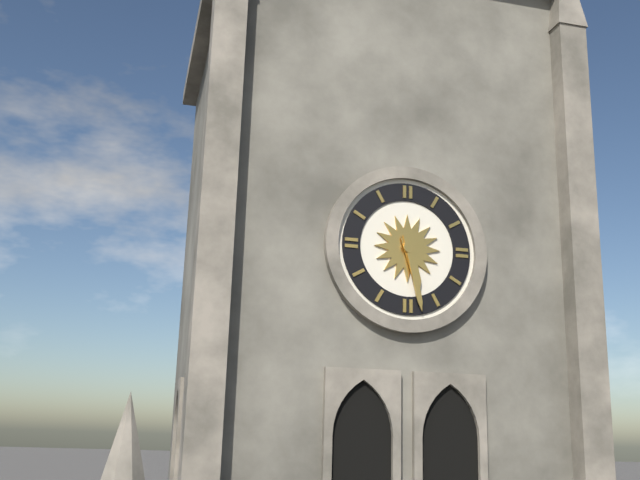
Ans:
h=5 m=28
